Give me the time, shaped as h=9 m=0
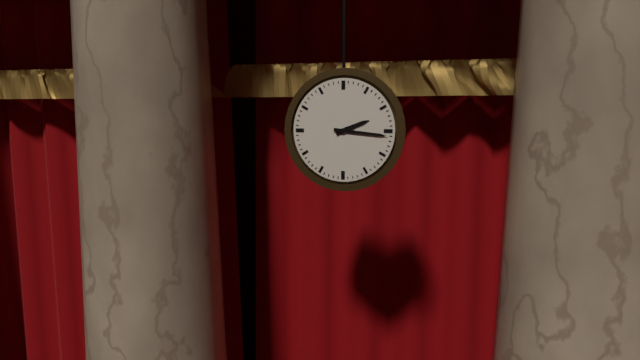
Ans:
h=2 m=16
